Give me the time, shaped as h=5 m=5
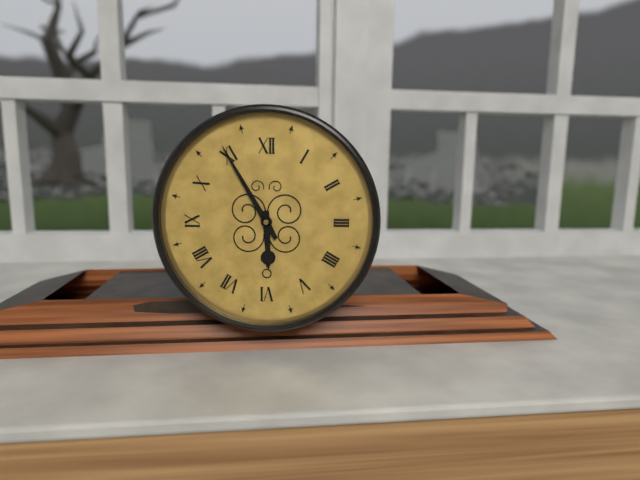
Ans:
h=5 m=55
